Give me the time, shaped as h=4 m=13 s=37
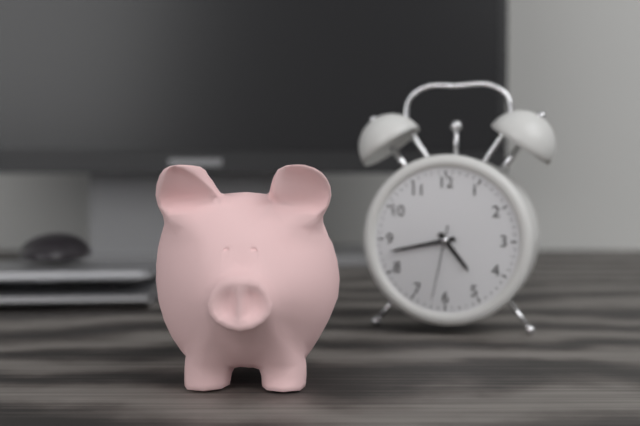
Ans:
h=4 m=43 s=32
